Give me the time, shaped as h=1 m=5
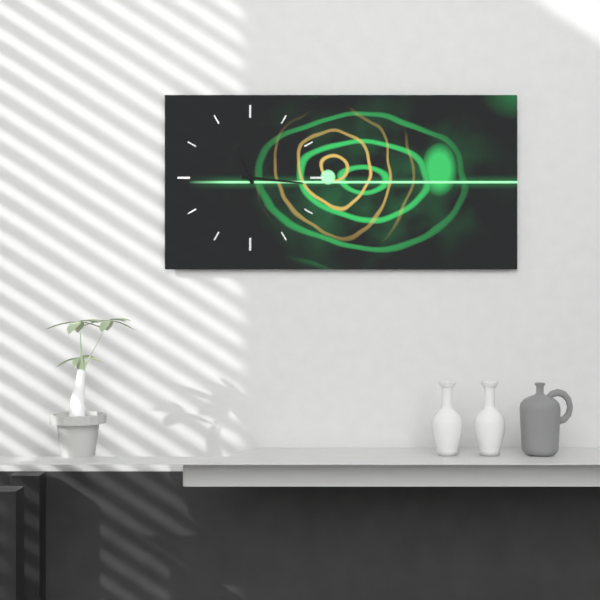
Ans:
h=11 m=16
